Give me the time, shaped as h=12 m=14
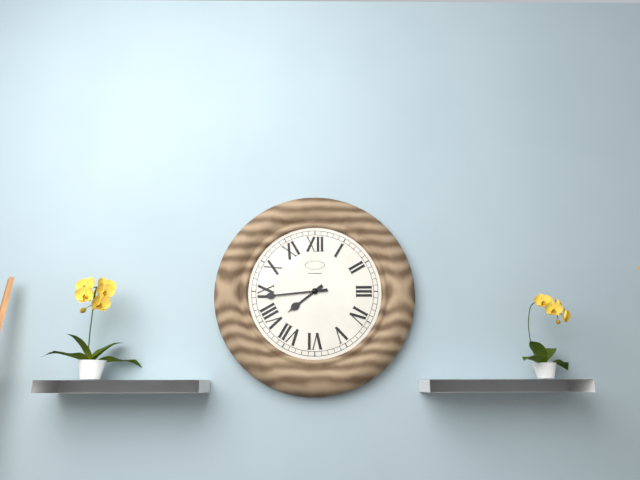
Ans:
h=7 m=44
